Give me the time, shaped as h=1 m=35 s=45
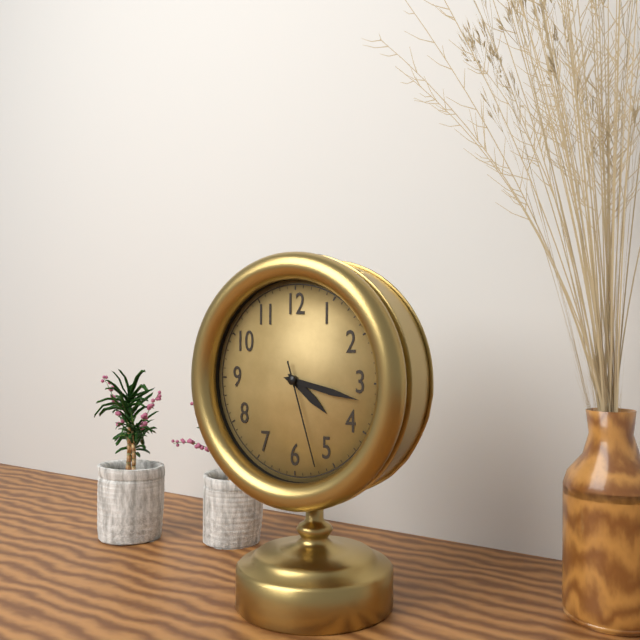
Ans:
h=4 m=17 s=27
